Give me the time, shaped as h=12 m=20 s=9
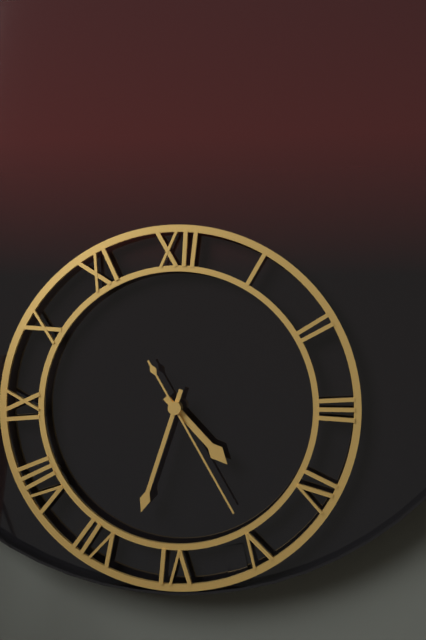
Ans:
h=4 m=33 s=25
